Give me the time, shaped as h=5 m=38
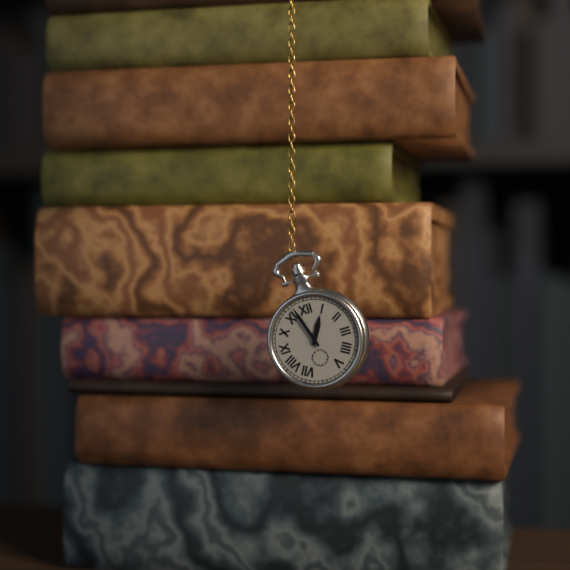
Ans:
h=12 m=57
